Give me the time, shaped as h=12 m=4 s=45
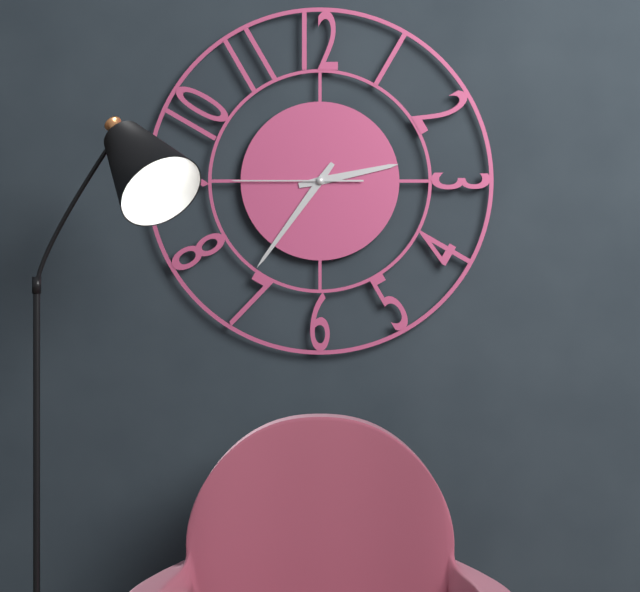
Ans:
h=2 m=36 s=45
